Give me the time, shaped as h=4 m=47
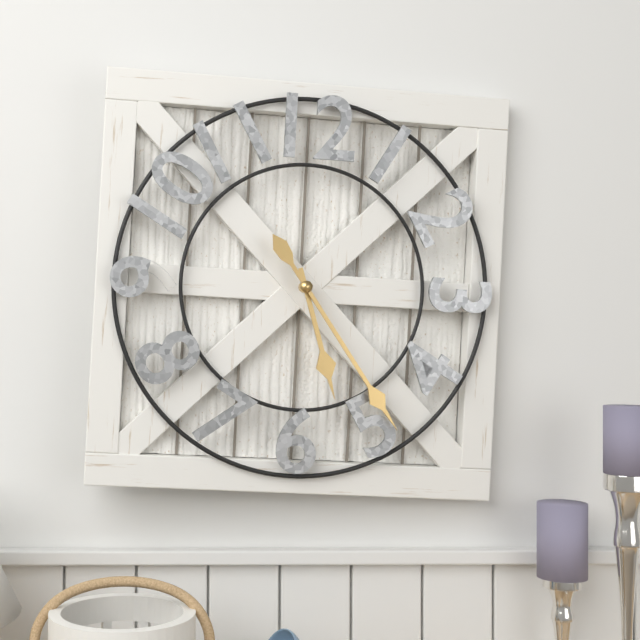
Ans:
h=5 m=24
